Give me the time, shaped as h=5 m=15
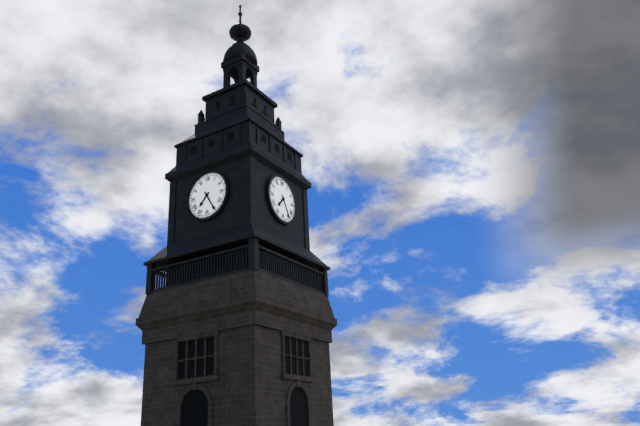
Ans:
h=7 m=25
